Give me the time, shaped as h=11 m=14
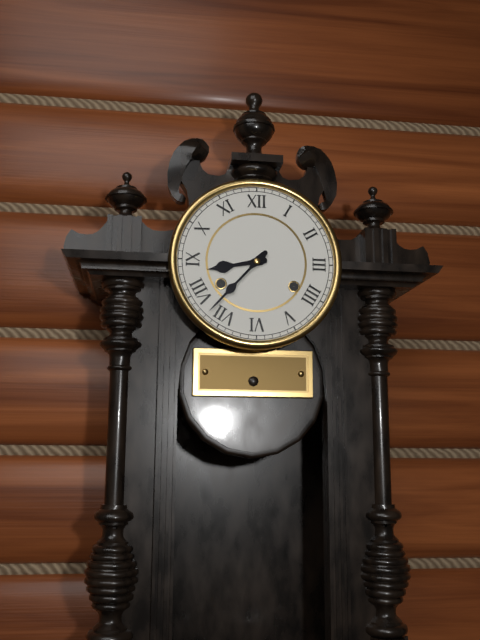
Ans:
h=8 m=37
